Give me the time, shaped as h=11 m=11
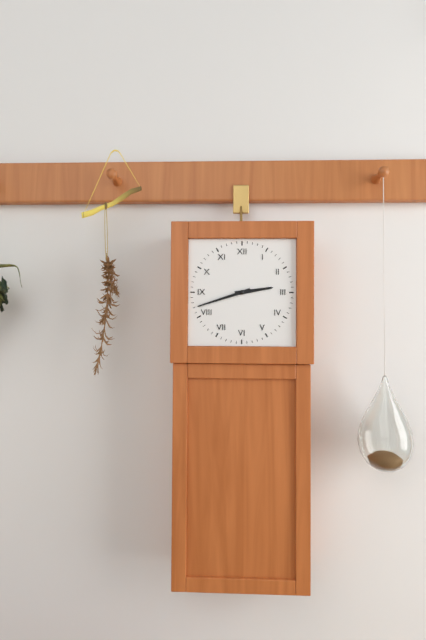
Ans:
h=2 m=42
